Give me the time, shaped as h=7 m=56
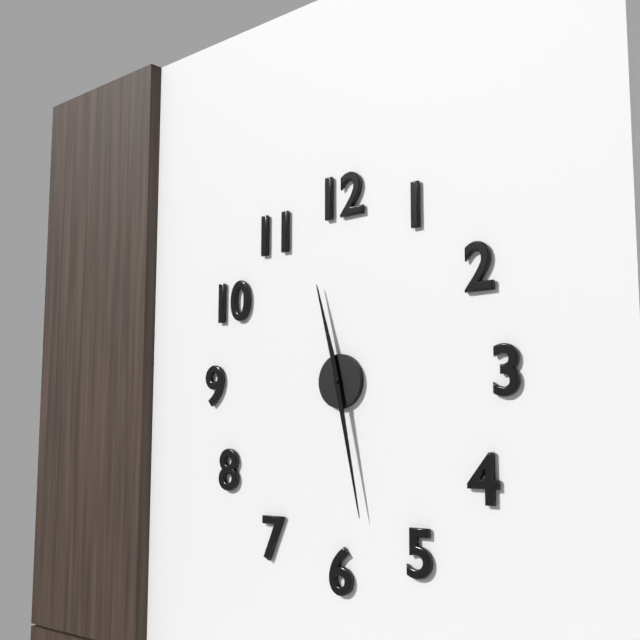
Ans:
h=11 m=28
